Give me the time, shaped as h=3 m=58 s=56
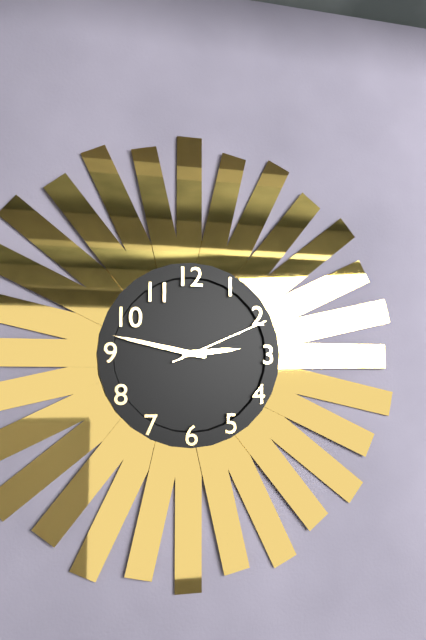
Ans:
h=2 m=47 s=11
